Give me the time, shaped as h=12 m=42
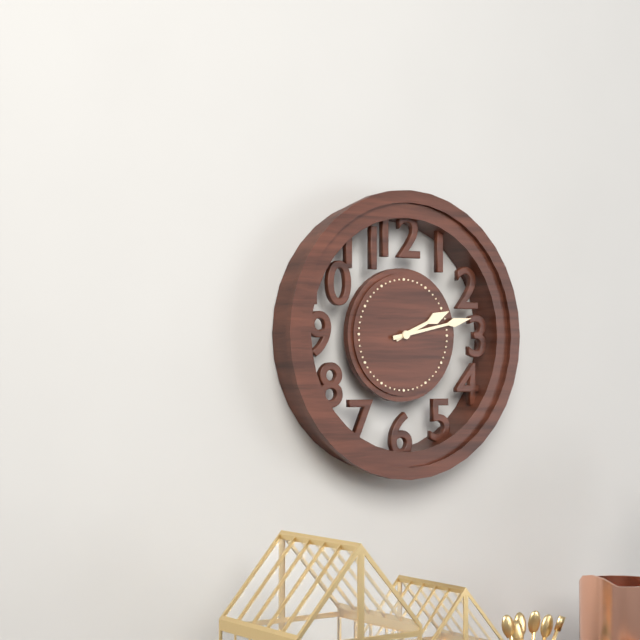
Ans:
h=2 m=13
